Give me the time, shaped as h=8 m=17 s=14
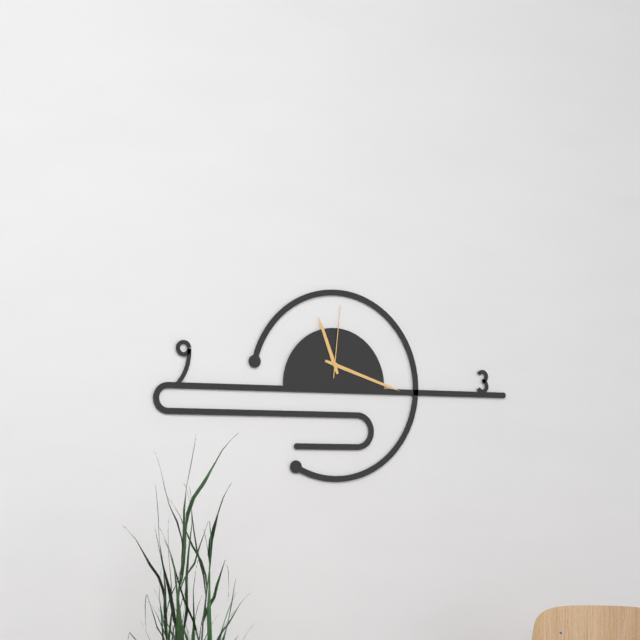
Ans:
h=11 m=18 s=1
